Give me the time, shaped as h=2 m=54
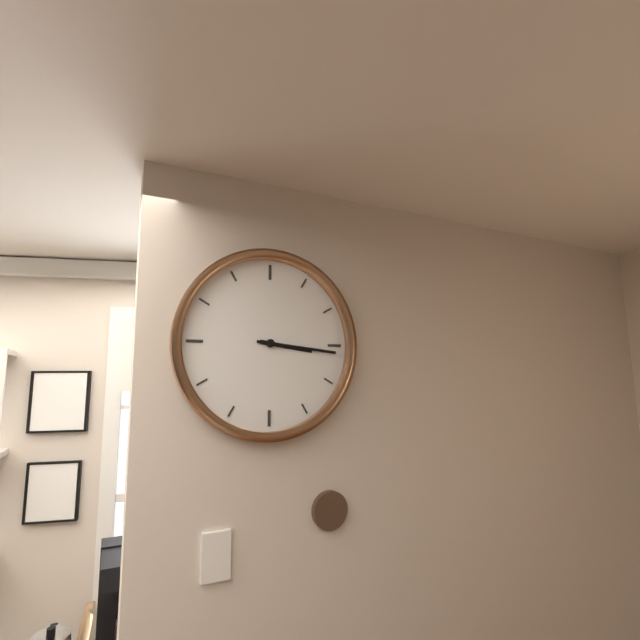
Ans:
h=3 m=16
